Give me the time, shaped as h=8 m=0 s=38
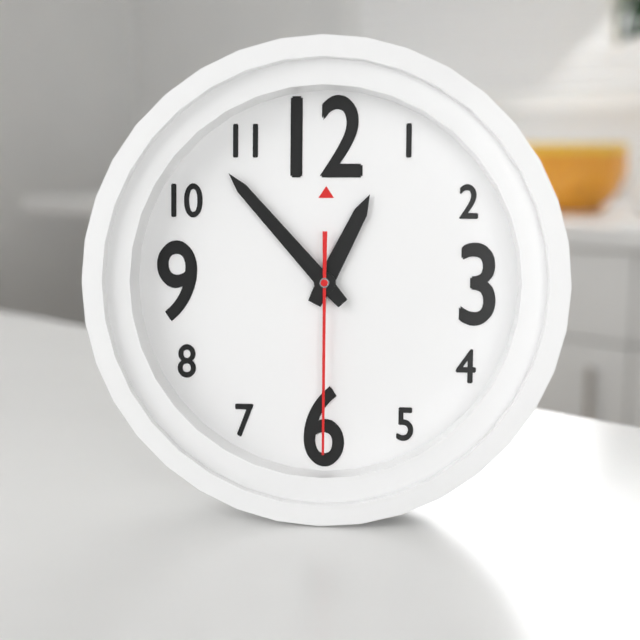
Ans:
h=12 m=53 s=30
